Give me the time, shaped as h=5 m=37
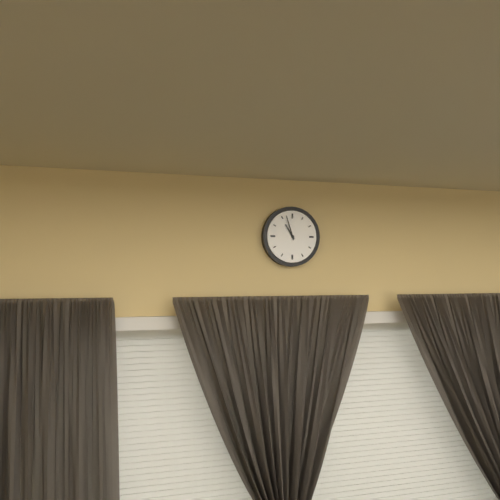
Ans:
h=10 m=57
